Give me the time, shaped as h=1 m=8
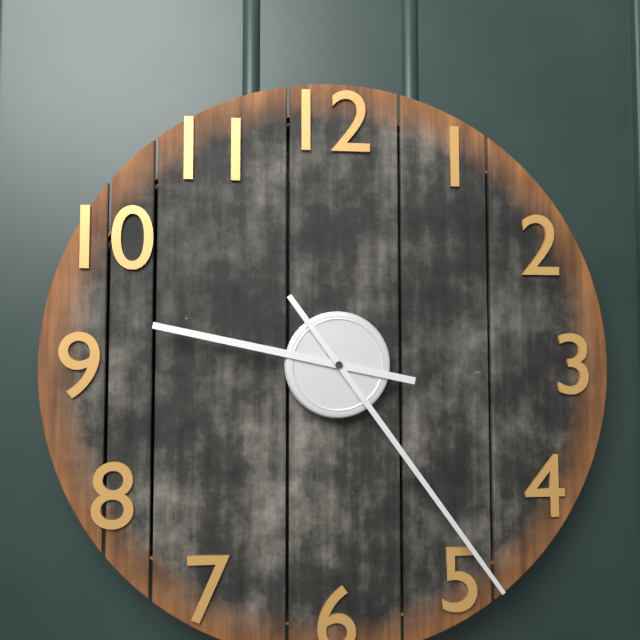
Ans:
h=9 m=24
